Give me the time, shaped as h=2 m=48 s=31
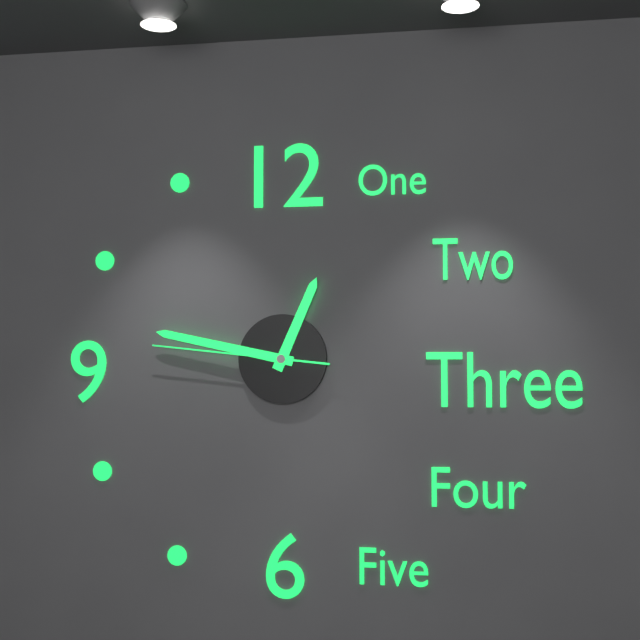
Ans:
h=12 m=47 s=46
